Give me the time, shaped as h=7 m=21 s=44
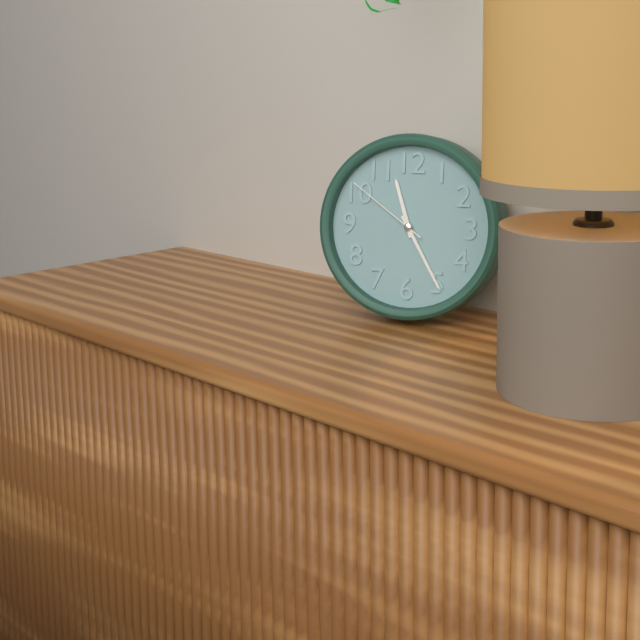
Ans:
h=11 m=25 s=51
